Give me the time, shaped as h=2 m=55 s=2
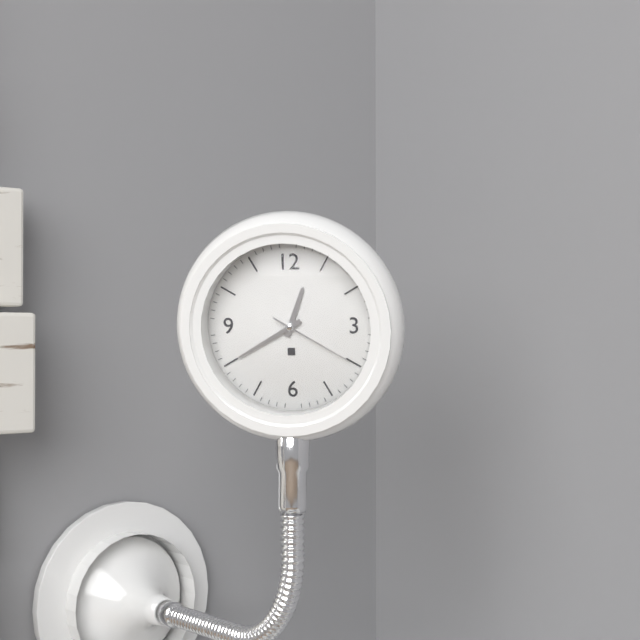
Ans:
h=12 m=40 s=20
